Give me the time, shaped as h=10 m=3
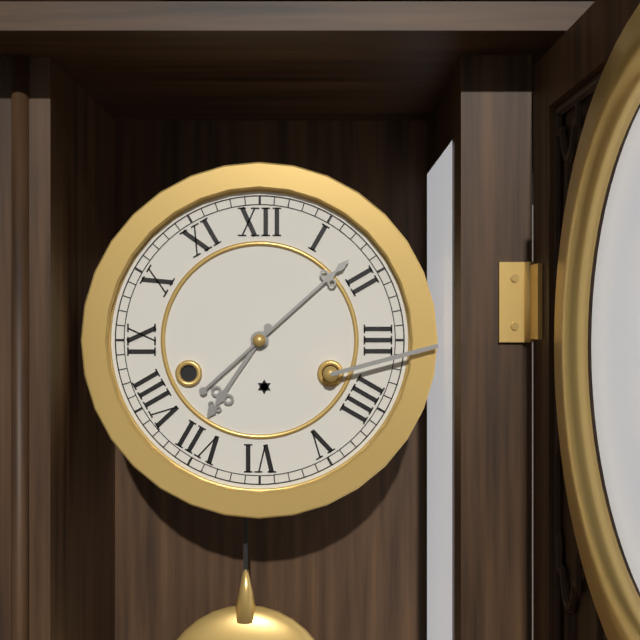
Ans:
h=7 m=8
